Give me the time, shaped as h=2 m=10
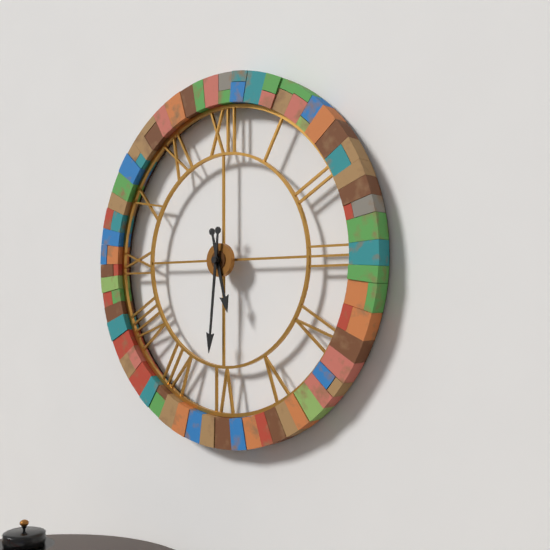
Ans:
h=5 m=31
